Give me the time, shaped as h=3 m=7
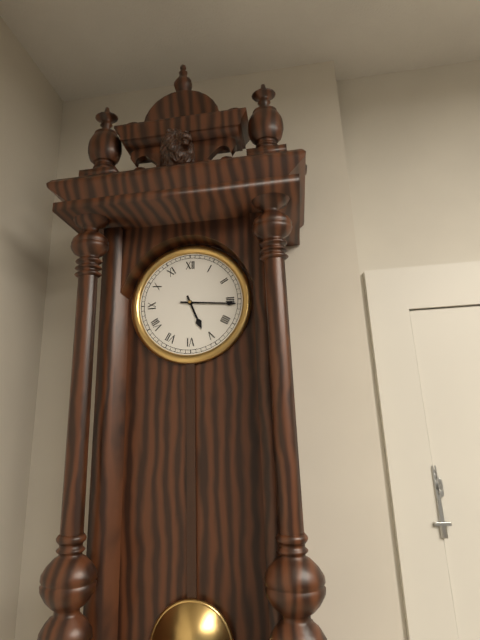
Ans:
h=5 m=16
